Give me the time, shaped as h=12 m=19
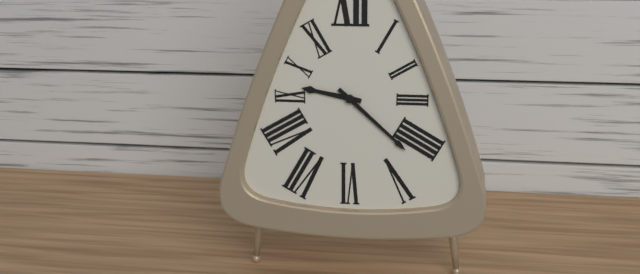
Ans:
h=9 m=22
